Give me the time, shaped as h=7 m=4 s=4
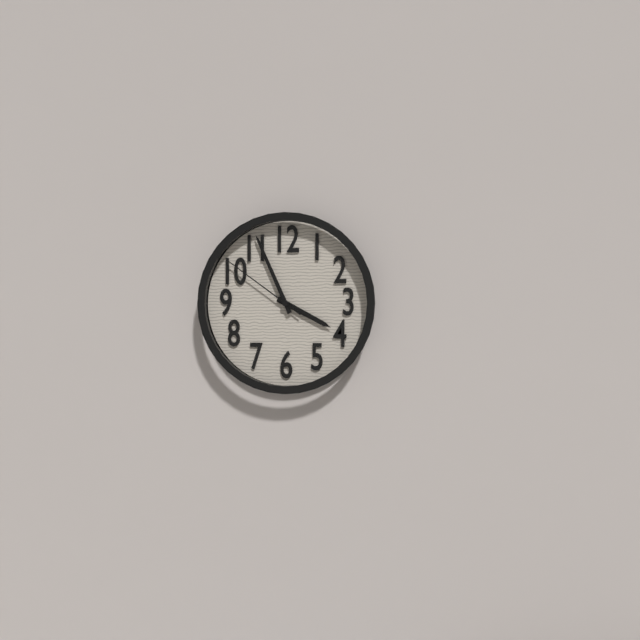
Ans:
h=3 m=56 s=51
